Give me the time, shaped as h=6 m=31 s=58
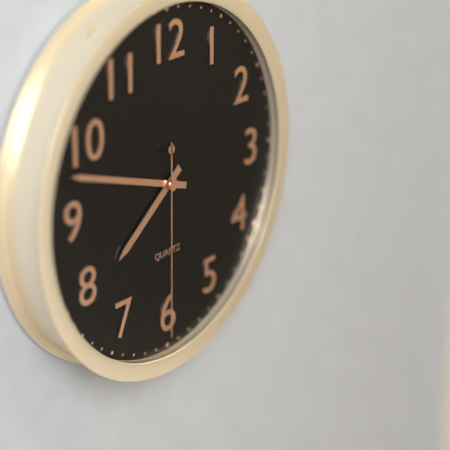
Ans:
h=7 m=48 s=30
